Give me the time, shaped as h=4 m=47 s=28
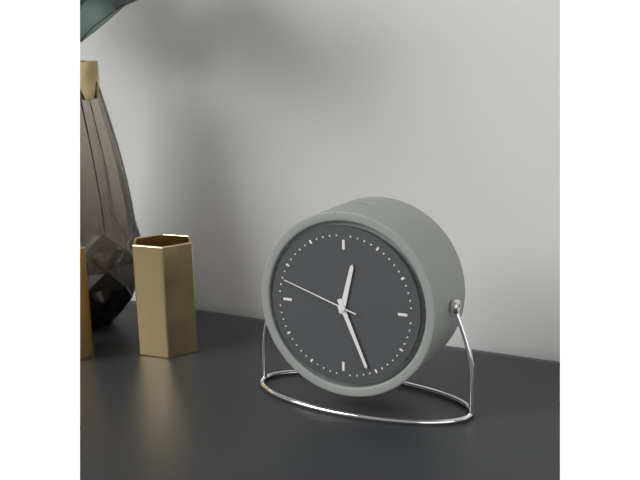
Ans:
h=12 m=26 s=48
